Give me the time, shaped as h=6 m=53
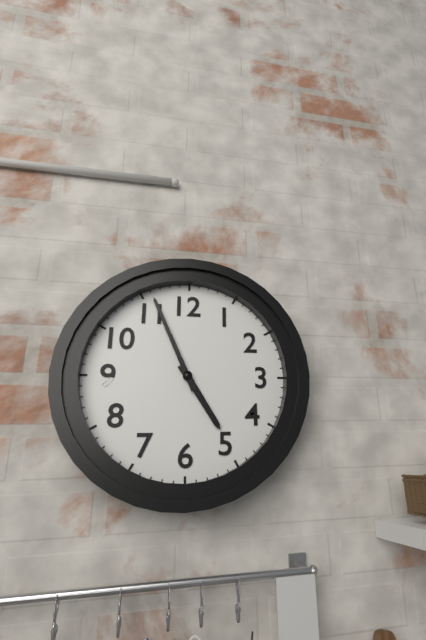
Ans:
h=4 m=56
